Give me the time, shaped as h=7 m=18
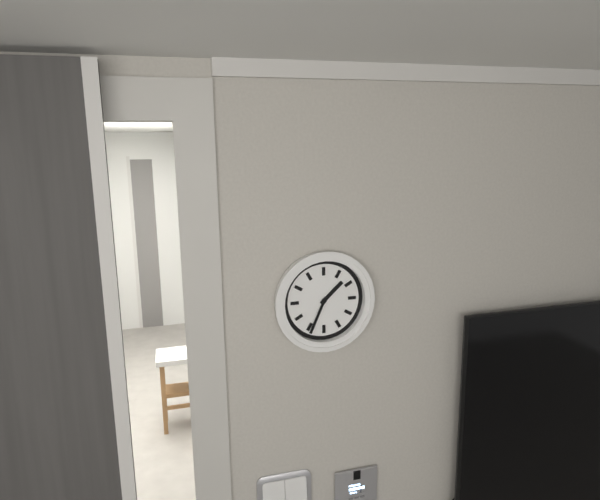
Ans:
h=1 m=34
